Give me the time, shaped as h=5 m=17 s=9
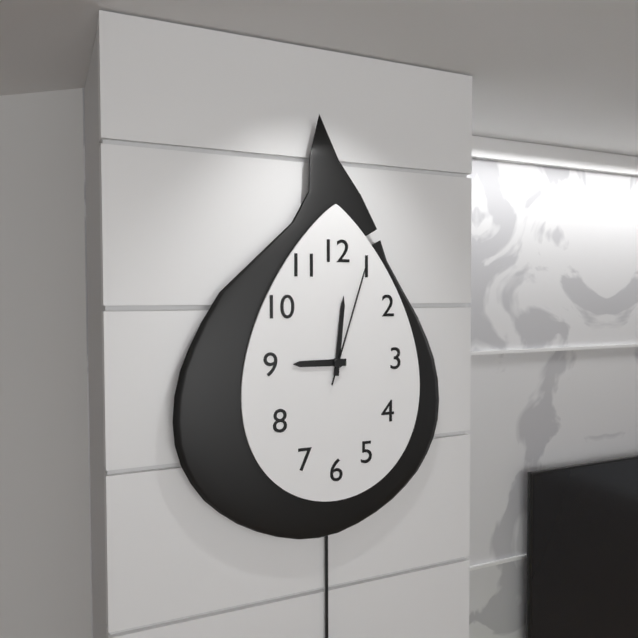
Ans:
h=9 m=1 s=3
